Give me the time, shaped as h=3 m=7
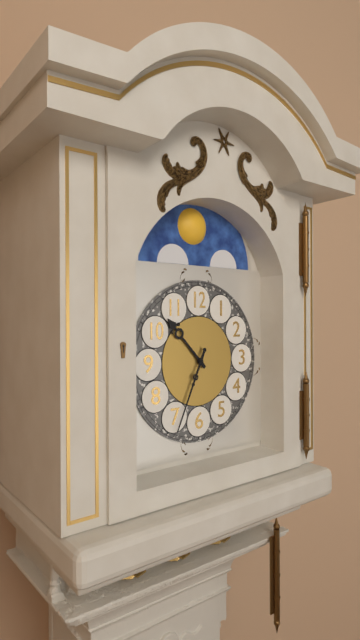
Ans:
h=10 m=34
